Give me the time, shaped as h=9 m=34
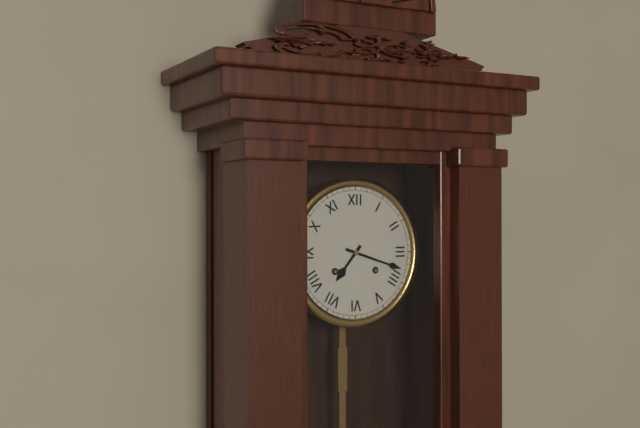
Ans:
h=7 m=18
